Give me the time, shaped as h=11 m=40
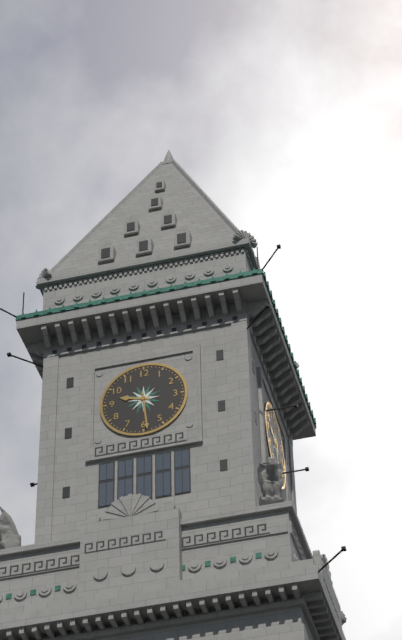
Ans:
h=9 m=29
